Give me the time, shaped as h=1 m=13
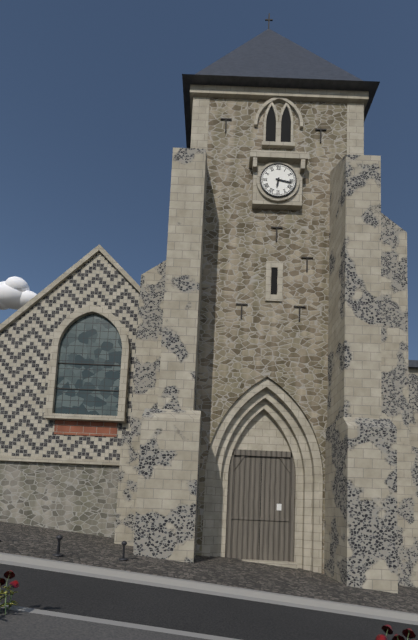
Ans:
h=6 m=17
